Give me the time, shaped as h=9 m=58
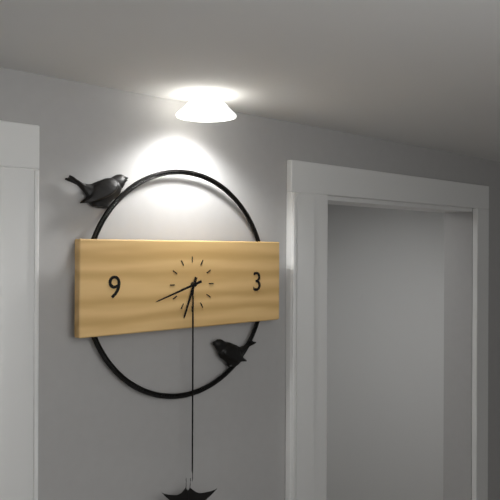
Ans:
h=6 m=42
